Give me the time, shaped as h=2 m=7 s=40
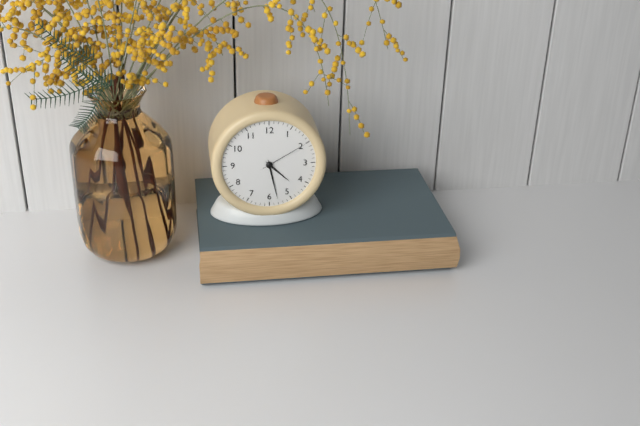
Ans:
h=4 m=28 s=10
